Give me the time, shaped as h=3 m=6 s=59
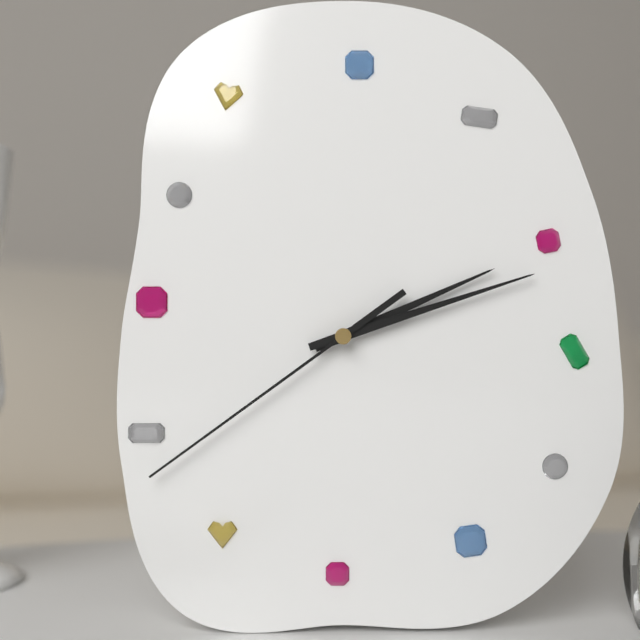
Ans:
h=2 m=12 s=39
